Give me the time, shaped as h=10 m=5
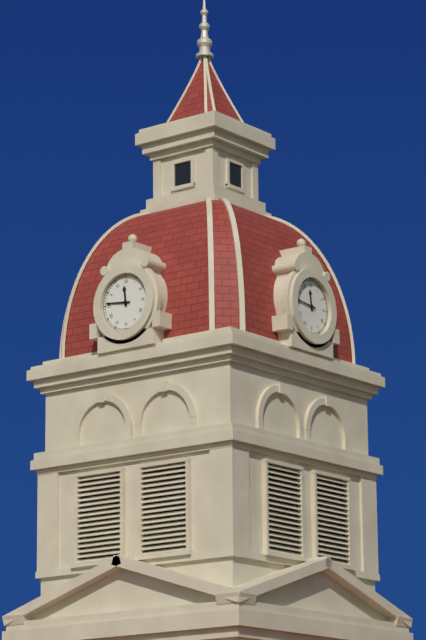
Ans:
h=11 m=46
